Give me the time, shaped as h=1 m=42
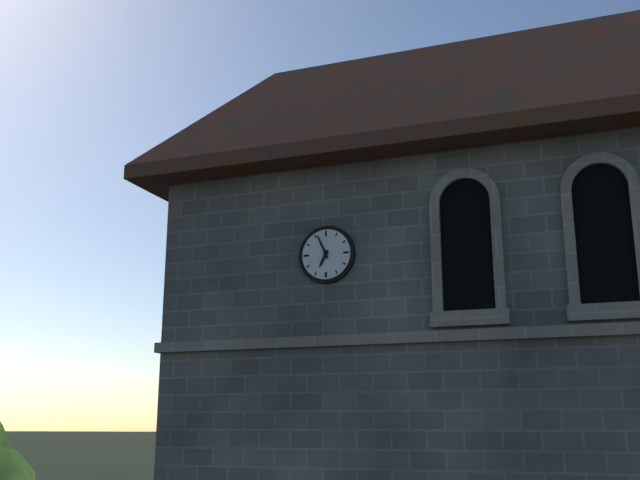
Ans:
h=6 m=56
